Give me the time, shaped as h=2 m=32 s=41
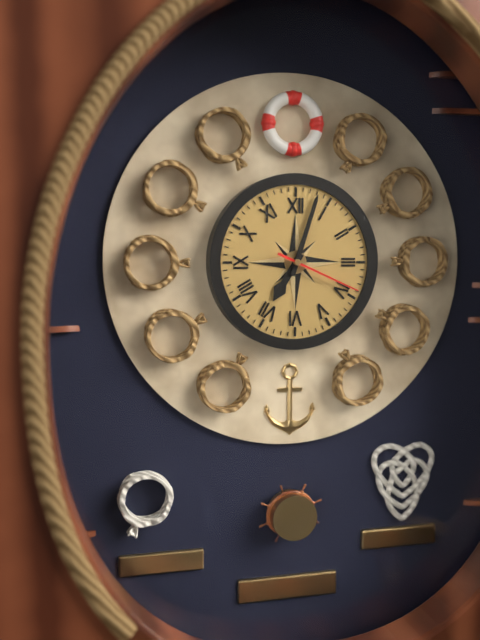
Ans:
h=7 m=3 s=19
